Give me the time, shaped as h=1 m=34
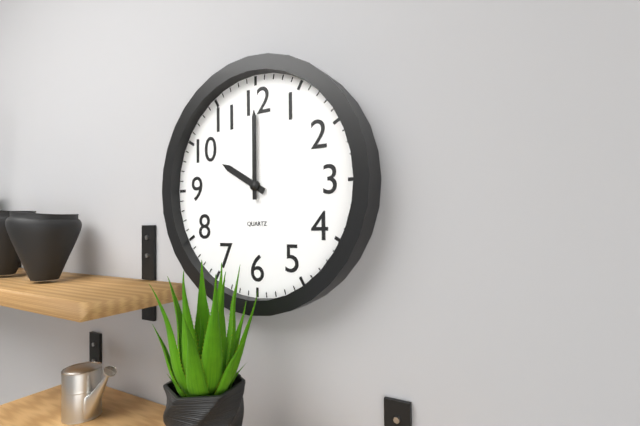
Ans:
h=10 m=0
